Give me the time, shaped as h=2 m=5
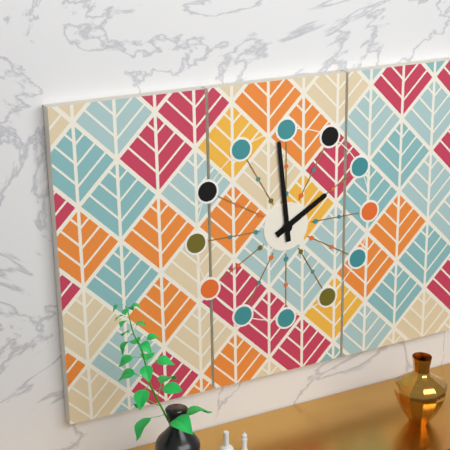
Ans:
h=1 m=59
